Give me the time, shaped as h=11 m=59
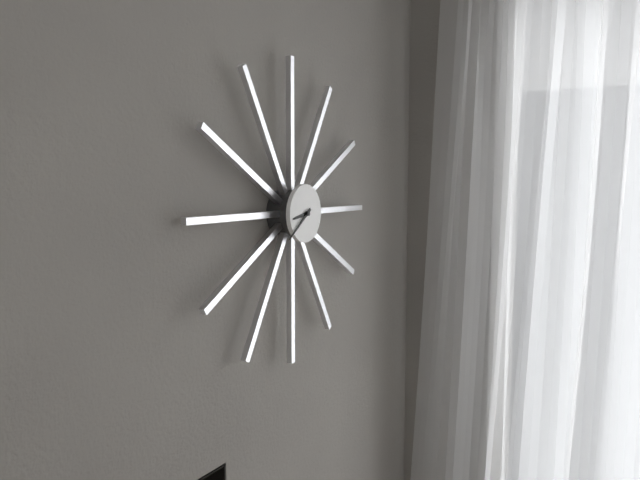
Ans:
h=8 m=39
